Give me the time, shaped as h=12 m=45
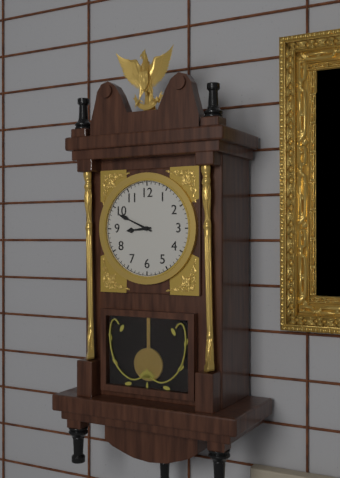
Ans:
h=8 m=49
